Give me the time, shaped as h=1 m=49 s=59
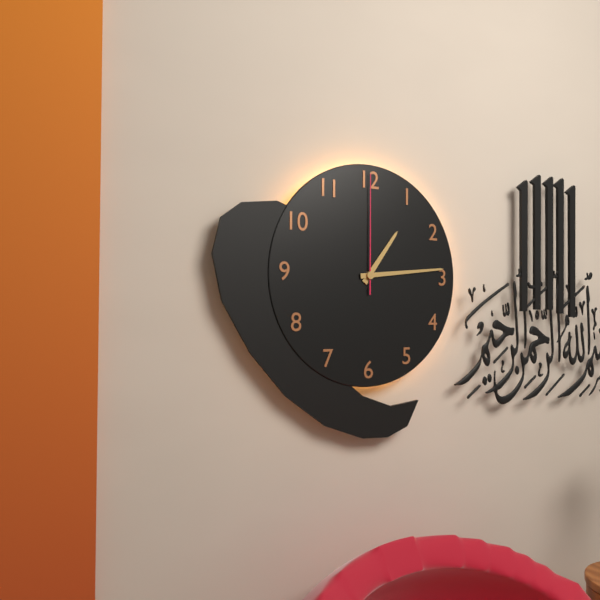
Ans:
h=1 m=14 s=0
